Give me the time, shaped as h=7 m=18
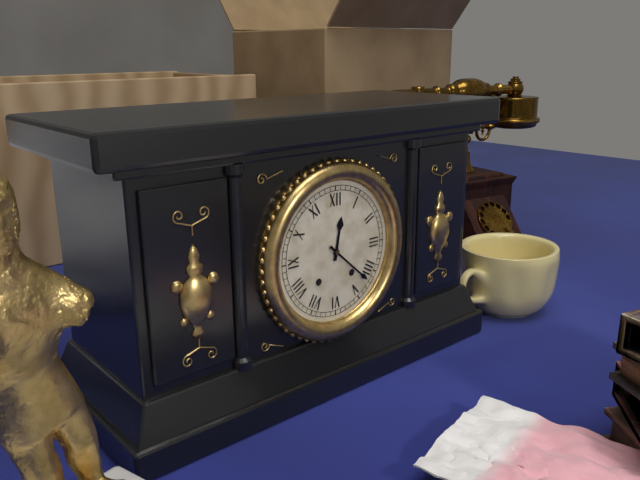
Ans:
h=12 m=22
